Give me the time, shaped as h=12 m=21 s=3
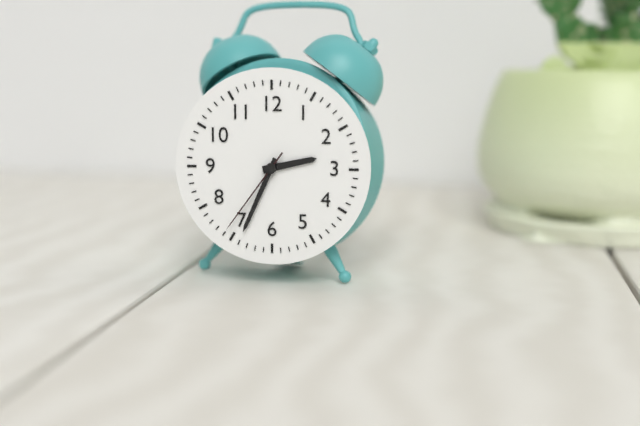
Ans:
h=2 m=34 s=36
